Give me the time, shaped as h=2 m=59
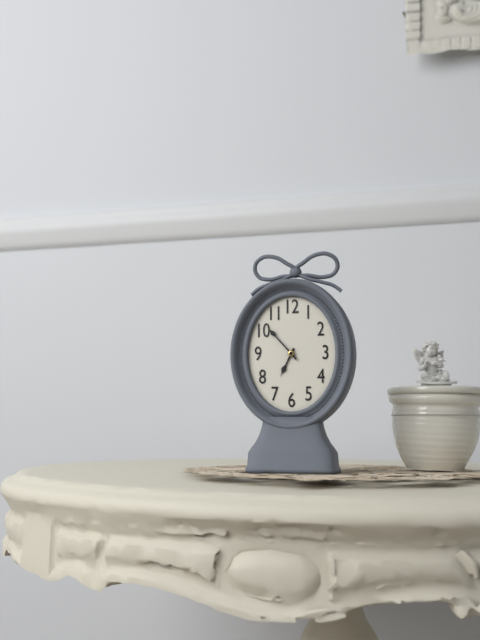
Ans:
h=6 m=53
